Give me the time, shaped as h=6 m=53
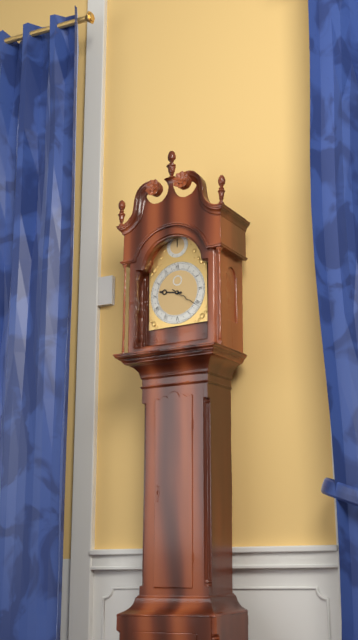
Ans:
h=9 m=21
